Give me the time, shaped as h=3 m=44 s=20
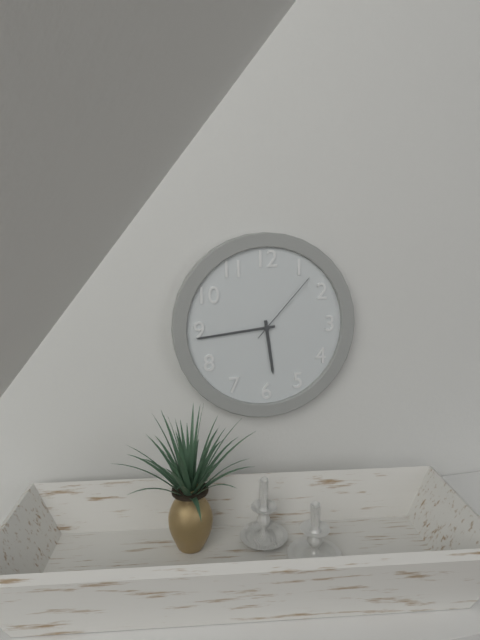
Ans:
h=5 m=44 s=7
